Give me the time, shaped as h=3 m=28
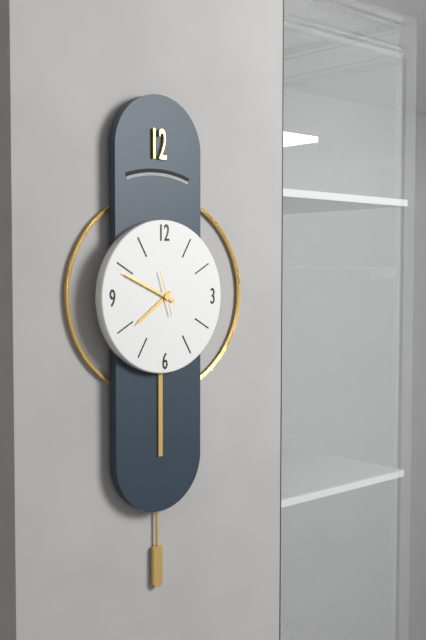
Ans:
h=7 m=49
